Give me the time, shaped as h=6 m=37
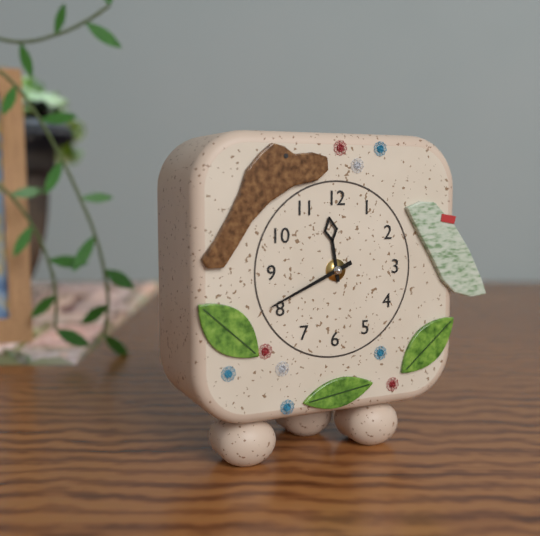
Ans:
h=11 m=41
